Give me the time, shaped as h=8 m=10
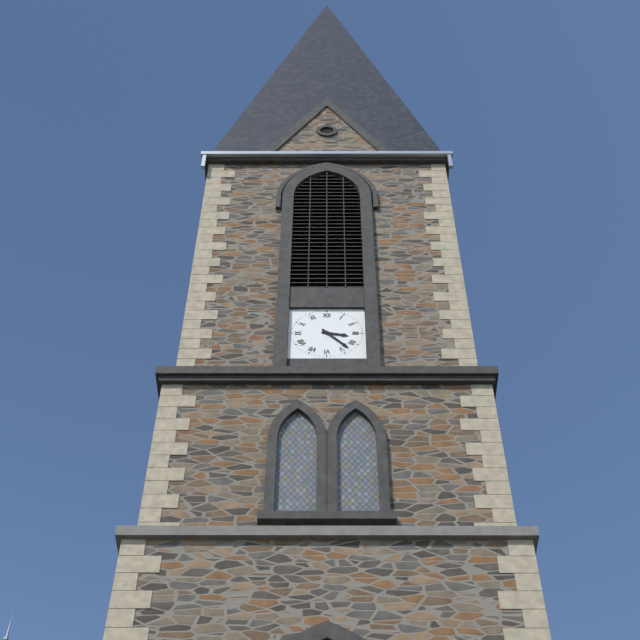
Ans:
h=3 m=23
